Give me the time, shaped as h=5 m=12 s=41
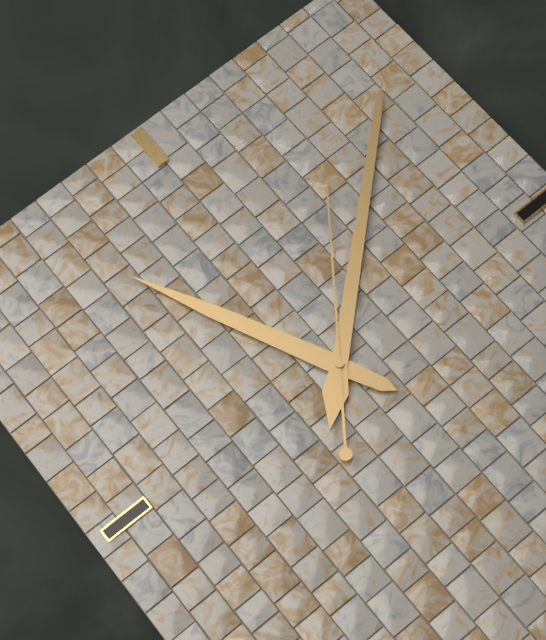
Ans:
h=11 m=8 s=6
